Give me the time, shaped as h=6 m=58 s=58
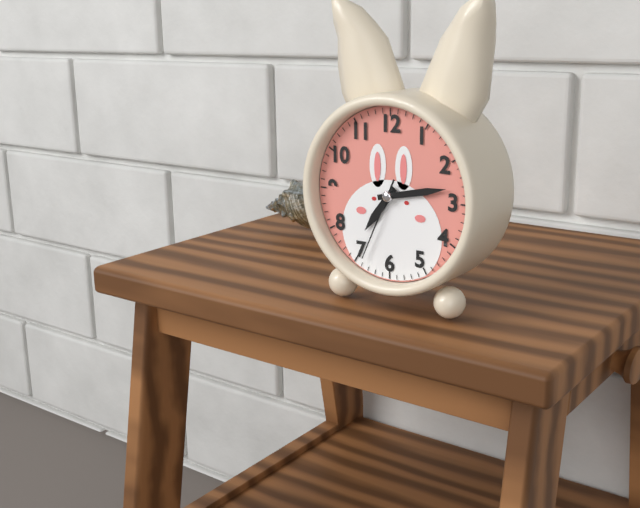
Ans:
h=7 m=13 s=34
